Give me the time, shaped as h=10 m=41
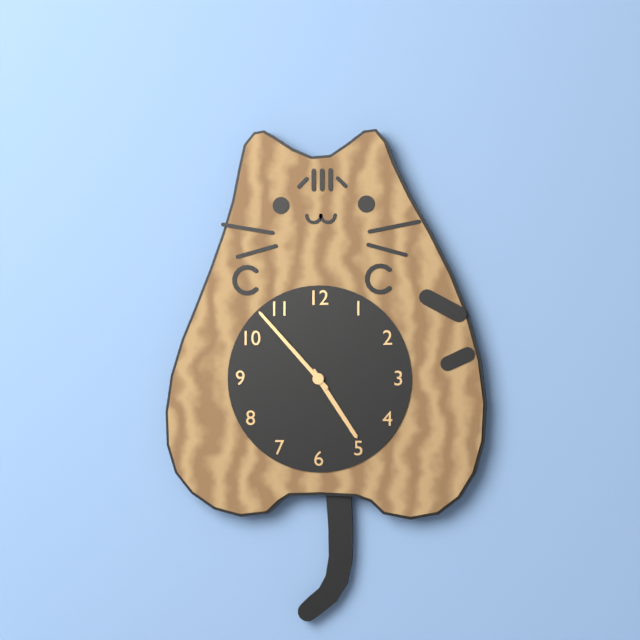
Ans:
h=4 m=53
